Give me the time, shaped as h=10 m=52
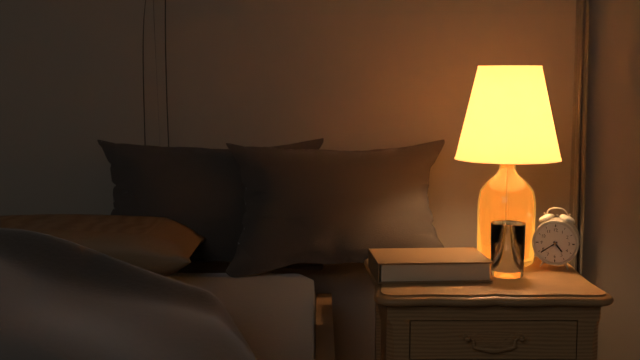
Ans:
h=4 m=39
